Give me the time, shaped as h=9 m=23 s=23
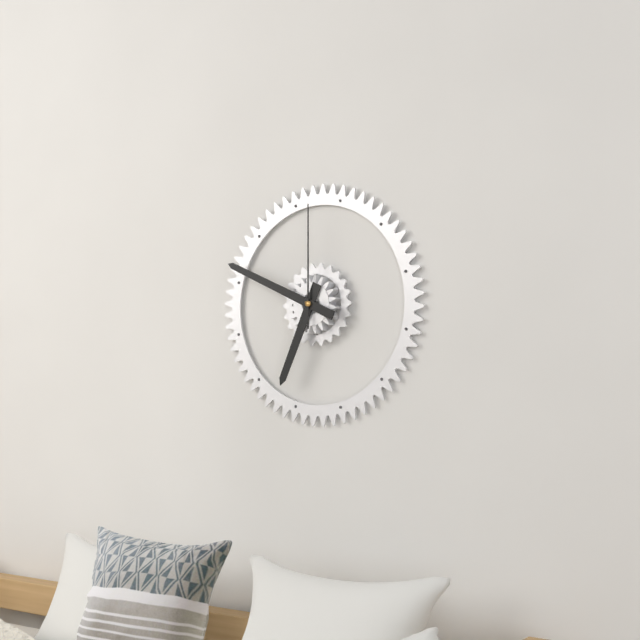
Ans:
h=6 m=49 s=0
